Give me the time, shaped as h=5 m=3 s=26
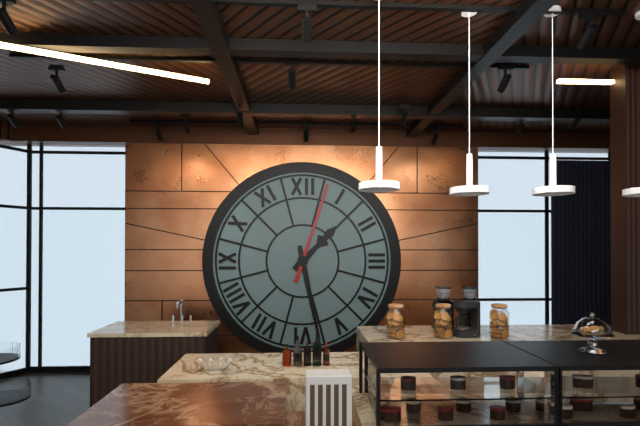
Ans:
h=1 m=28 s=3
